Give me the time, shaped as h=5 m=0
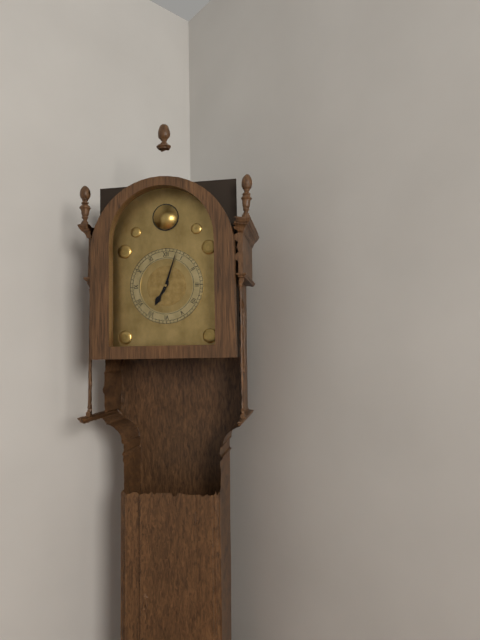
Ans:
h=7 m=3
